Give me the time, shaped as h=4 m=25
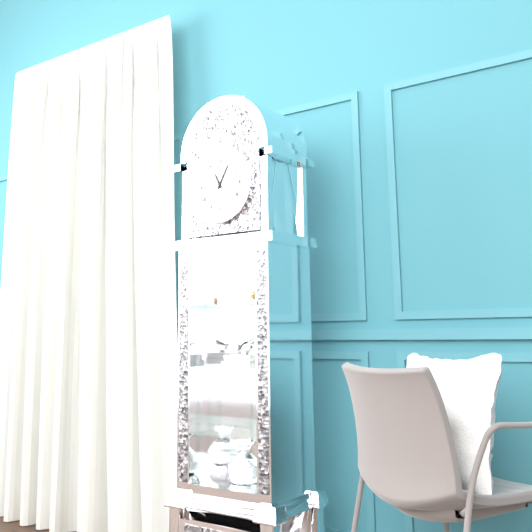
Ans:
h=11 m=5
